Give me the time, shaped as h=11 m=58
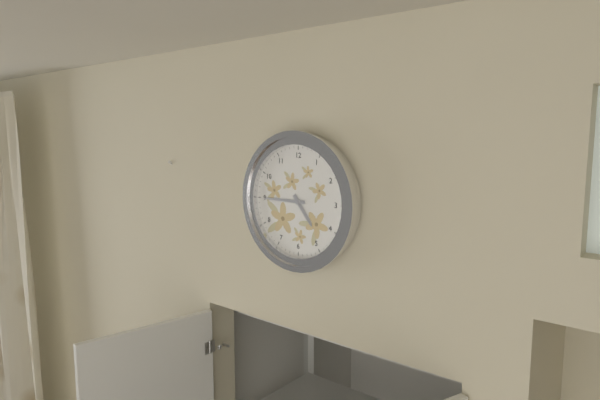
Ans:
h=4 m=45
